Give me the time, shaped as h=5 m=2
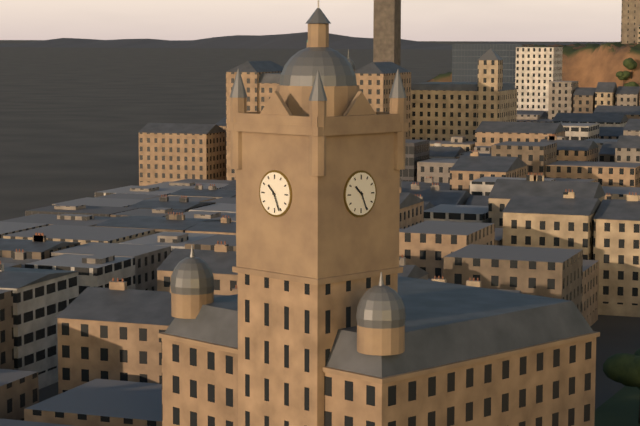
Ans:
h=10 m=26
